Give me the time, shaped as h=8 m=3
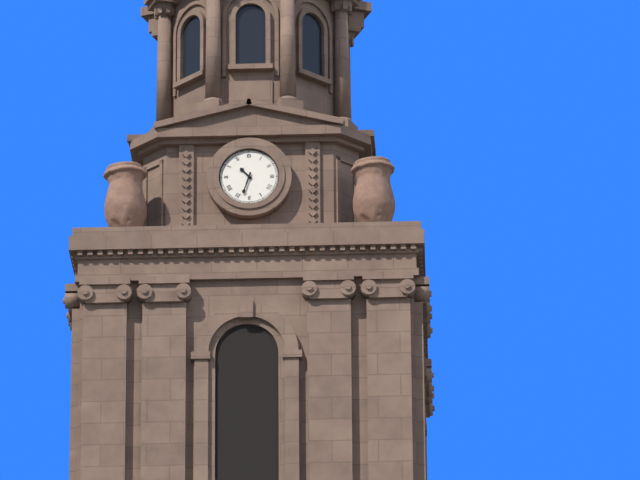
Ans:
h=10 m=33
